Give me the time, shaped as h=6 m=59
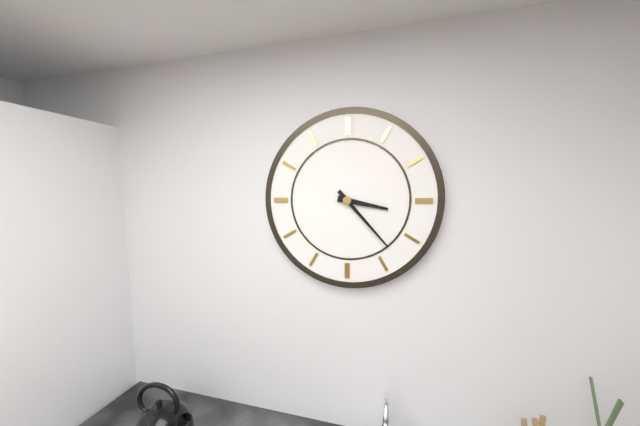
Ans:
h=3 m=23
